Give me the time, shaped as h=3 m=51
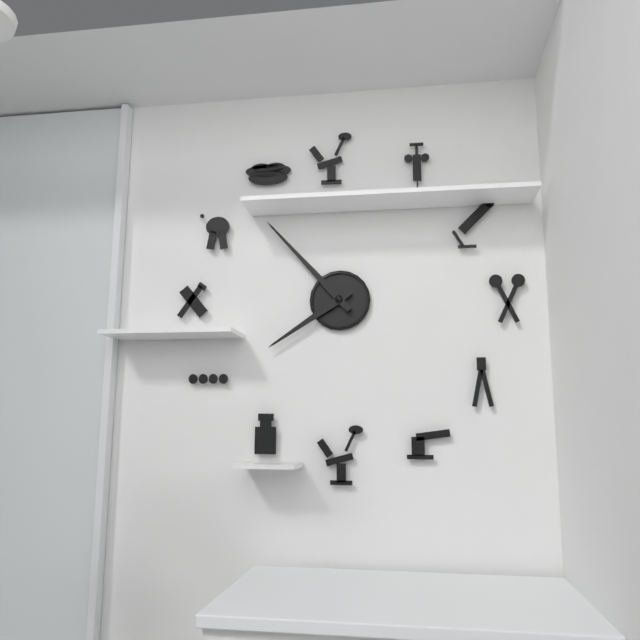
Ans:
h=7 m=53
